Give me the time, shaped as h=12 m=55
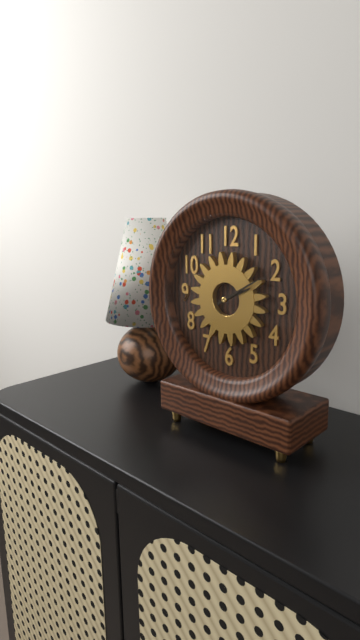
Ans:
h=2 m=10
